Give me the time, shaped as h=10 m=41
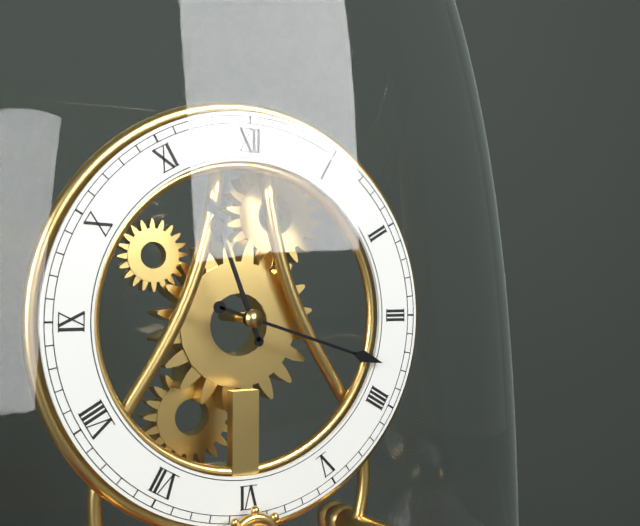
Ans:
h=11 m=18
